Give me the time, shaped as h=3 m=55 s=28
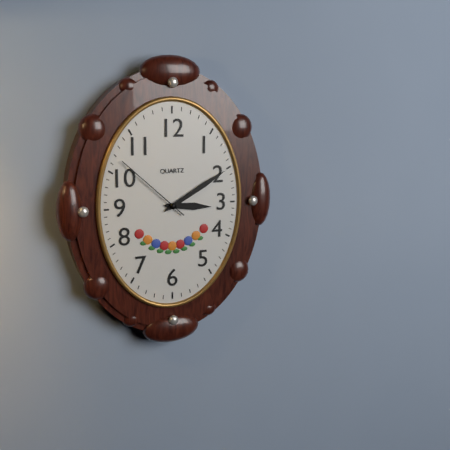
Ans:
h=3 m=10 s=52
